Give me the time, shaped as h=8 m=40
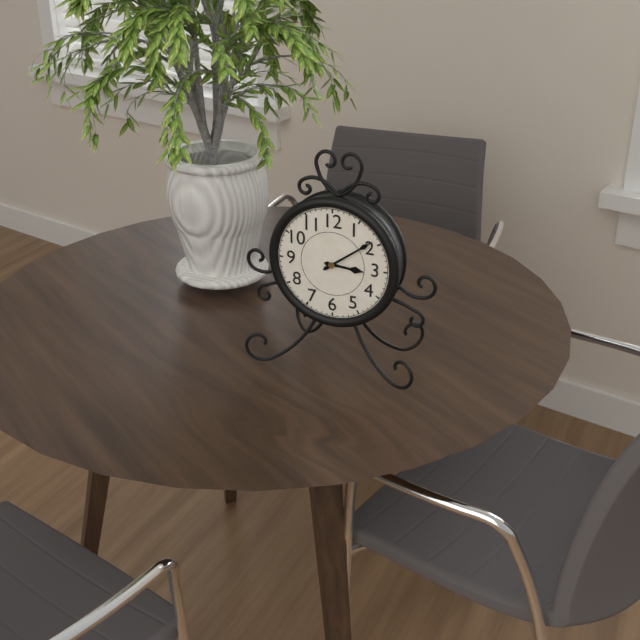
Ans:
h=3 m=9
